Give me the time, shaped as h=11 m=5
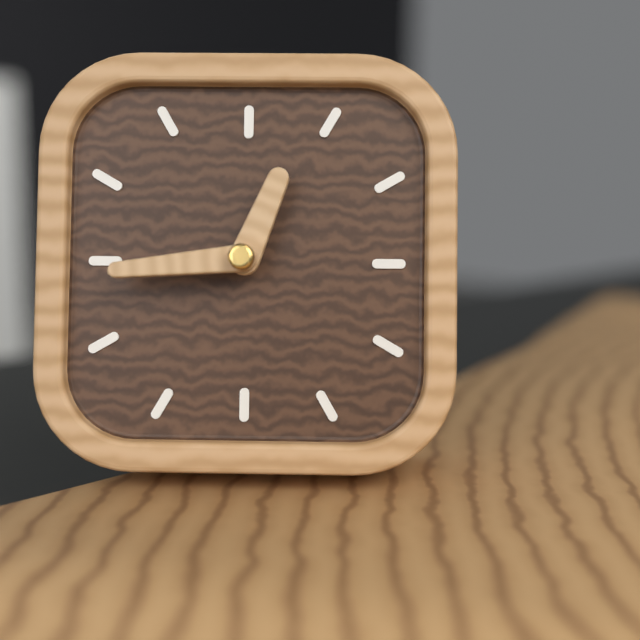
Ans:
h=12 m=44
